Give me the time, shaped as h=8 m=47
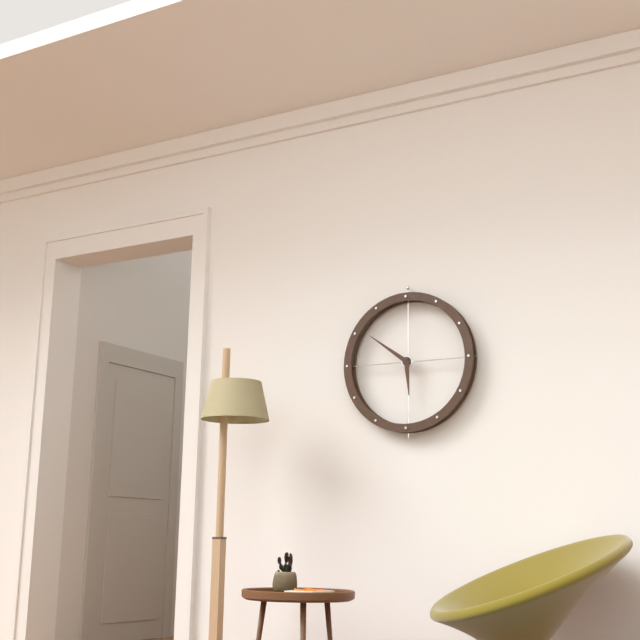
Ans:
h=5 m=51
